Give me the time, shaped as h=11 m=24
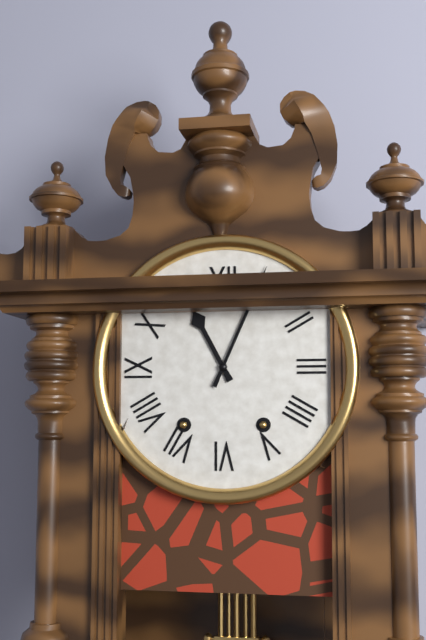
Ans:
h=11 m=4
